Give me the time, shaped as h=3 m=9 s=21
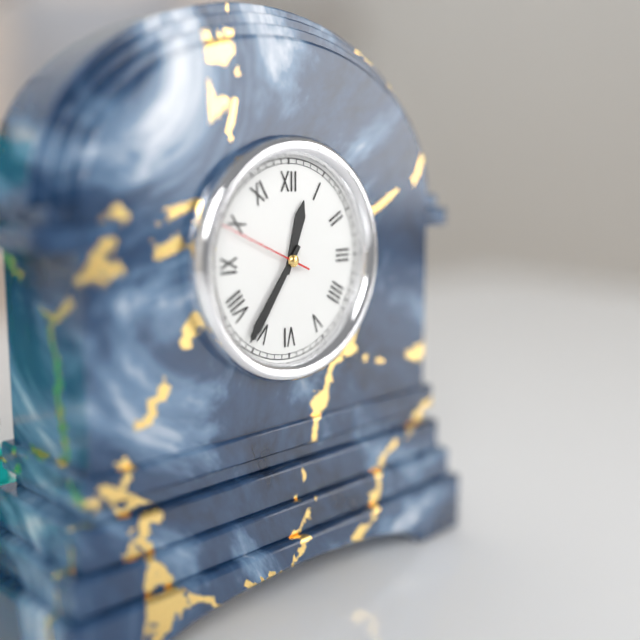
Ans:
h=12 m=36 s=49
